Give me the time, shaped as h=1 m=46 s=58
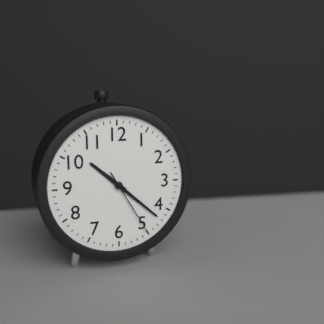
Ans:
h=10 m=22 s=25
